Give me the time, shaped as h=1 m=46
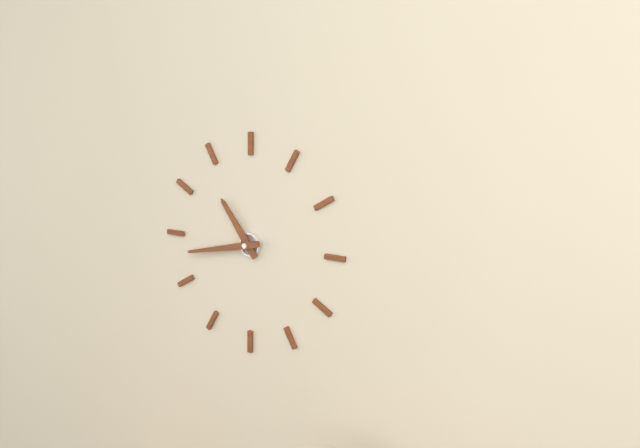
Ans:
h=10 m=43
